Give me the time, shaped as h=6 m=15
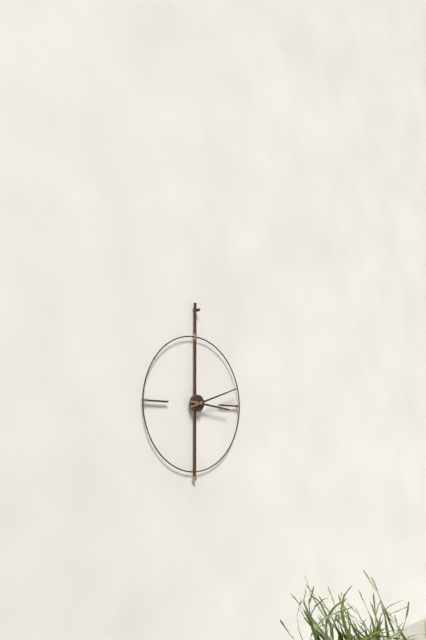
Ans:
h=3 m=12
